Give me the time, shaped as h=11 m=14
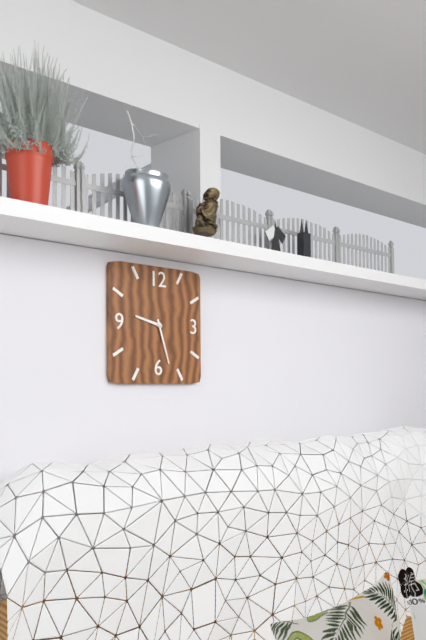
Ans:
h=9 m=27
